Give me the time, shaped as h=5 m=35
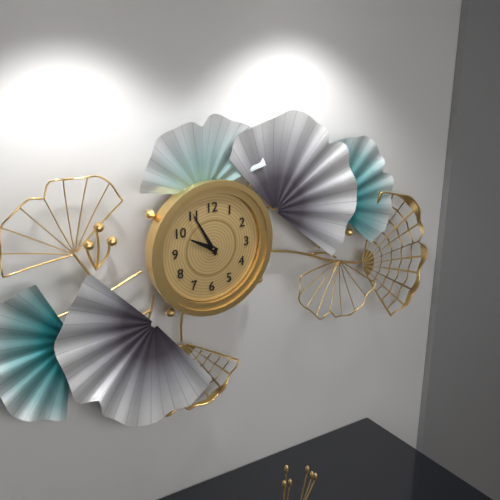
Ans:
h=9 m=55
